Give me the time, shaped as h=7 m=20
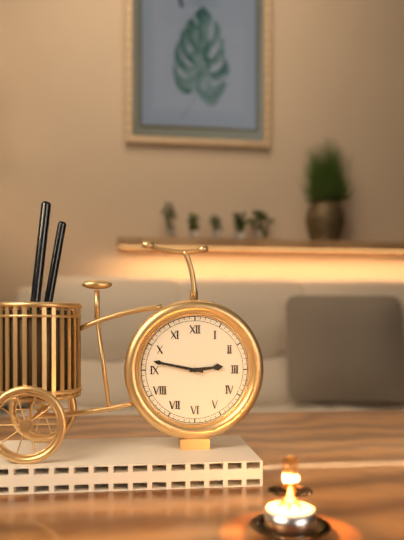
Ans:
h=2 m=47
